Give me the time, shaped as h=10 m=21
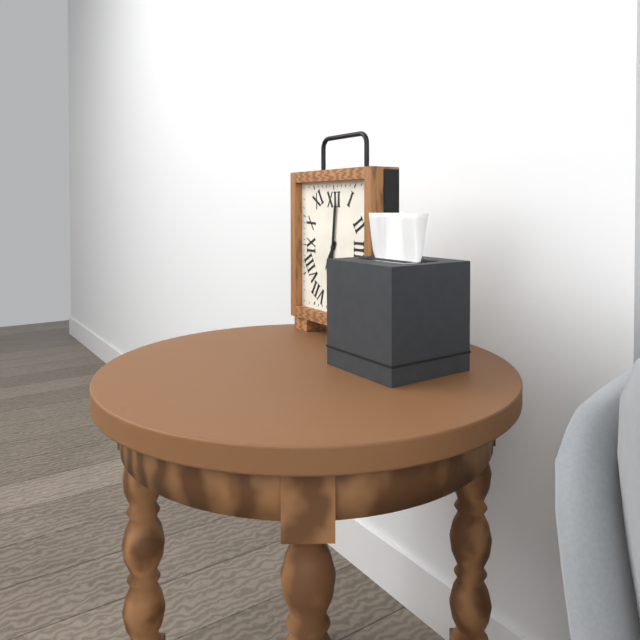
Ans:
h=7 m=1
